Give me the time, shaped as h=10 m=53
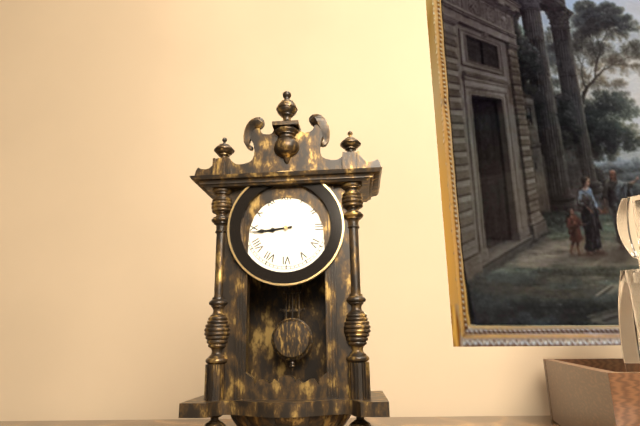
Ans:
h=8 m=44
